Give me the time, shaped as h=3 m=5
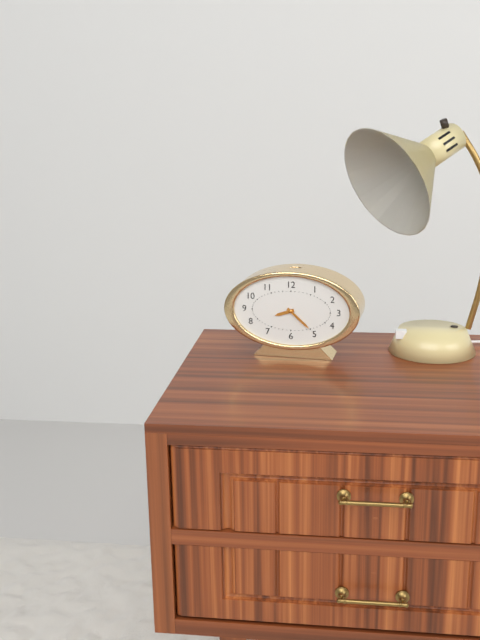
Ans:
h=8 m=22
